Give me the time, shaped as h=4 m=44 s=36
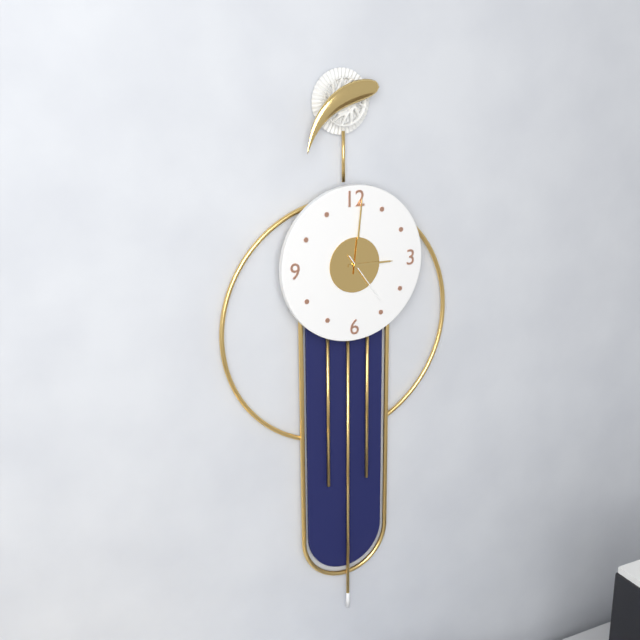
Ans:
h=3 m=1 s=24
